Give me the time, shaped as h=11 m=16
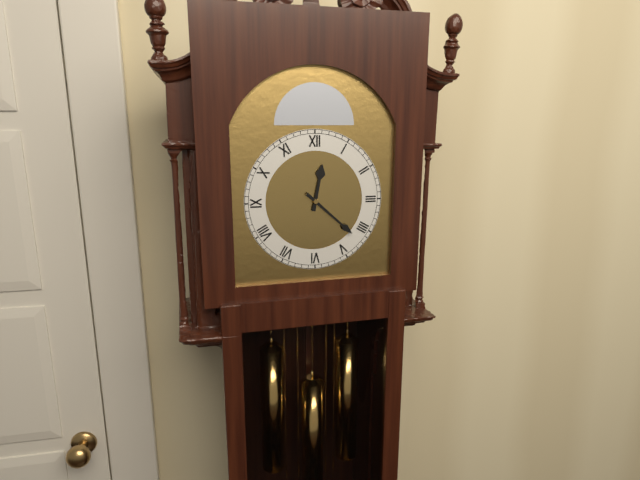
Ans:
h=12 m=22
